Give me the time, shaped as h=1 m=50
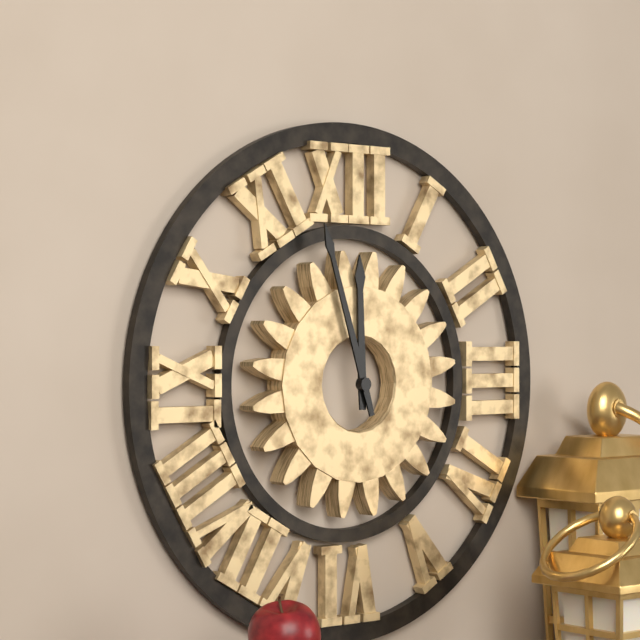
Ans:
h=11 m=57
